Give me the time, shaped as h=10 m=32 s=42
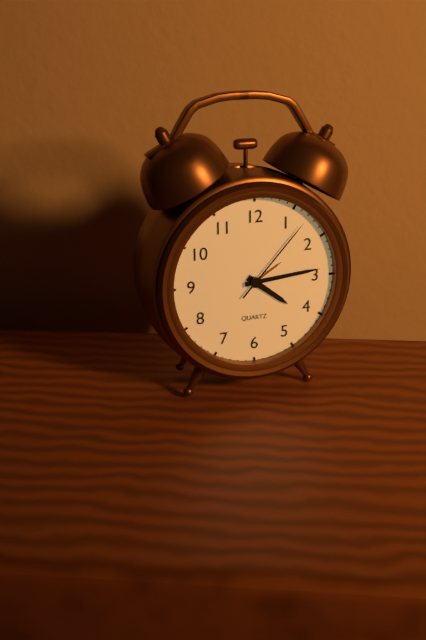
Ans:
h=4 m=14 s=7
